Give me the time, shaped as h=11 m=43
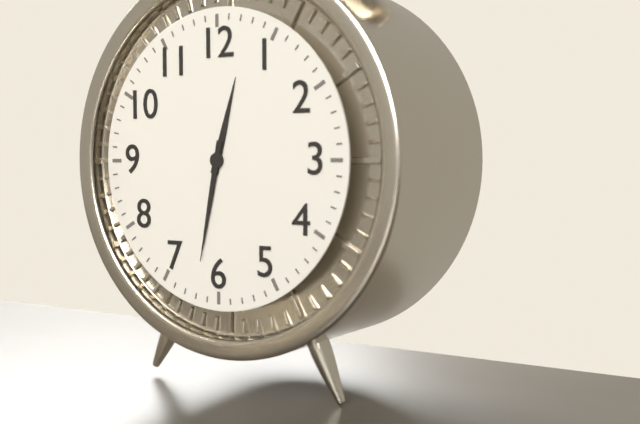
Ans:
h=12 m=32
